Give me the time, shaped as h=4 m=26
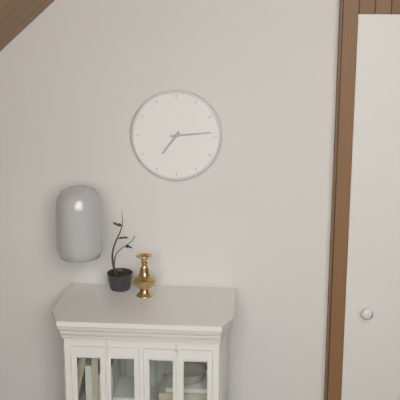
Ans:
h=7 m=14
